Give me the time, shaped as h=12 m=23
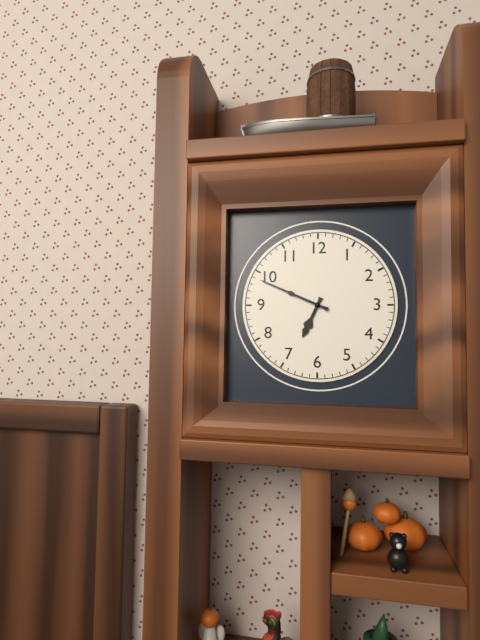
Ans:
h=6 m=49
